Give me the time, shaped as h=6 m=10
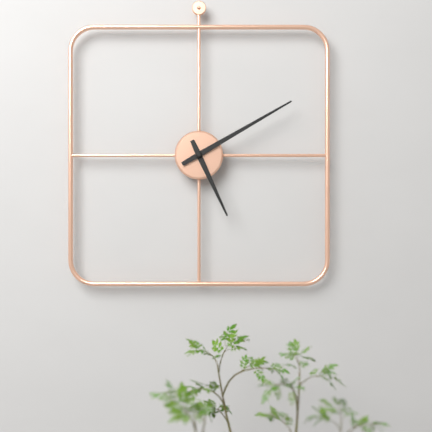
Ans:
h=5 m=10
